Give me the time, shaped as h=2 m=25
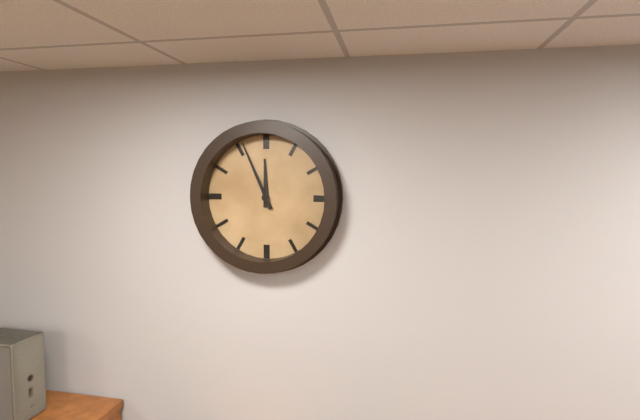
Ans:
h=11 m=56
